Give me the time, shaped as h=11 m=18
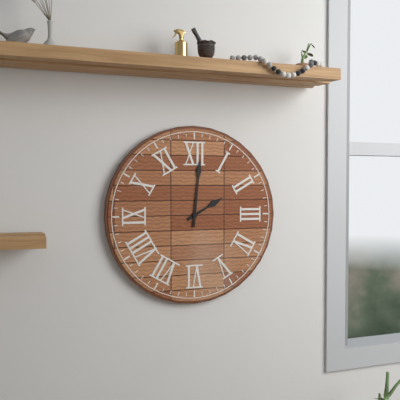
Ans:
h=2 m=1
